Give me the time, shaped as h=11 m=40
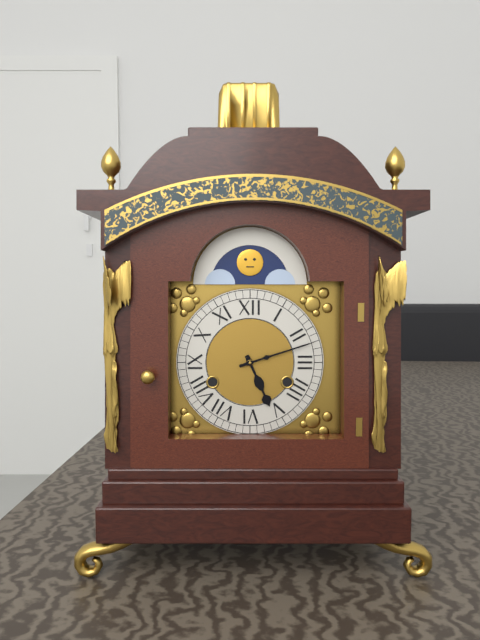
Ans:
h=5 m=12
